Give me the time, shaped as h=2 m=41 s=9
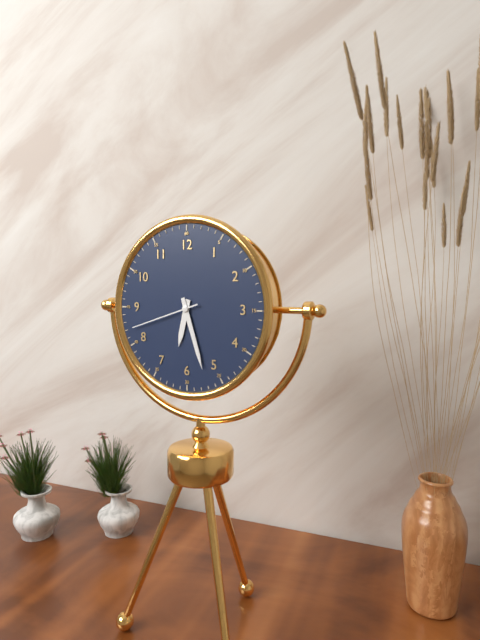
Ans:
h=6 m=27 s=42
